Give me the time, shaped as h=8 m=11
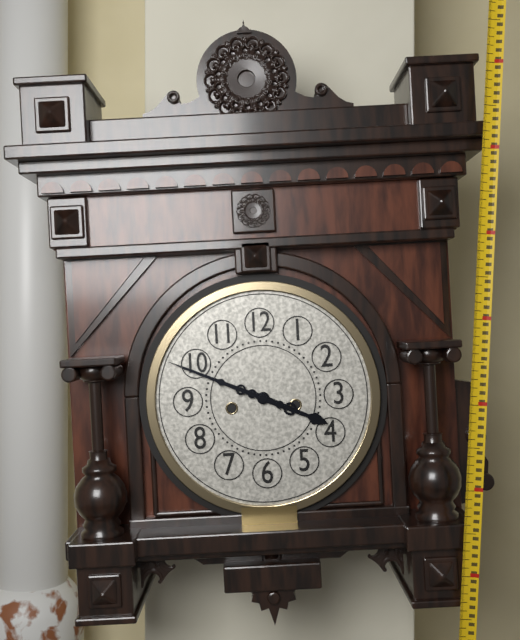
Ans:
h=3 m=49
